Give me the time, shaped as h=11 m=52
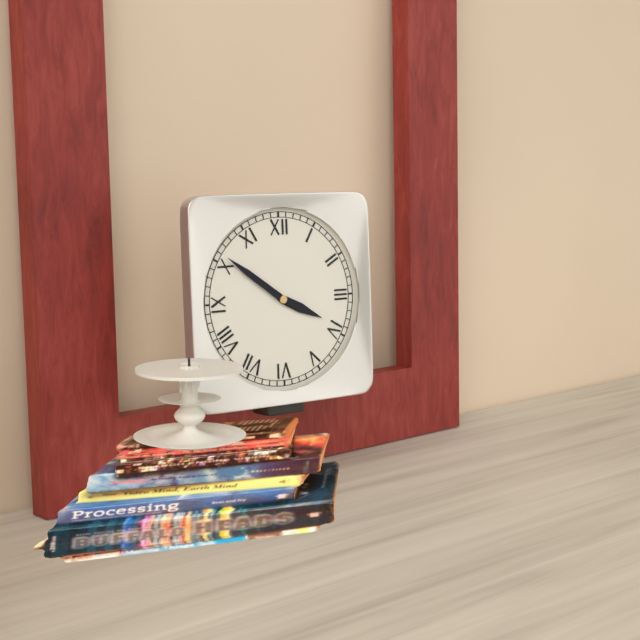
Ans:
h=3 m=51
